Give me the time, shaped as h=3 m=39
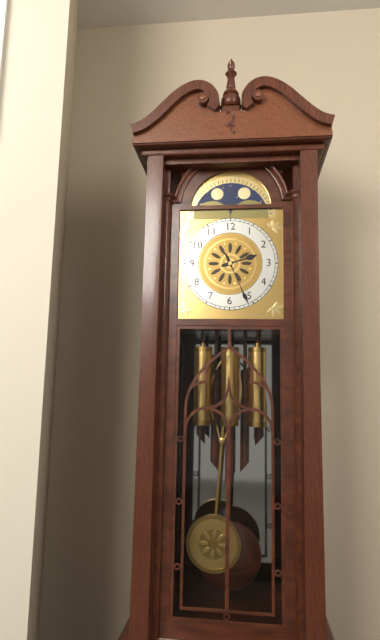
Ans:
h=2 m=26
